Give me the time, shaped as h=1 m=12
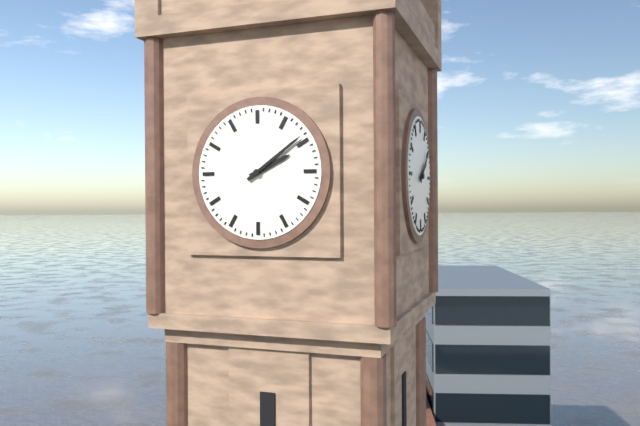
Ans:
h=2 m=9
